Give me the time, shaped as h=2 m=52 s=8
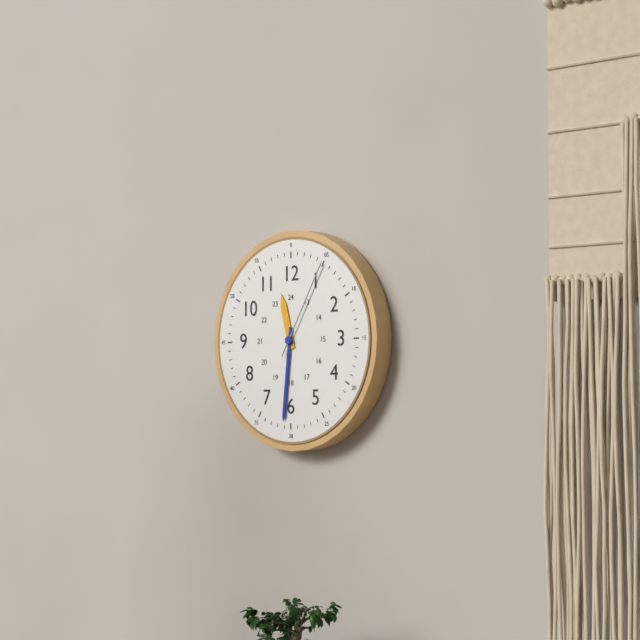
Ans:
h=11 m=31 s=5
